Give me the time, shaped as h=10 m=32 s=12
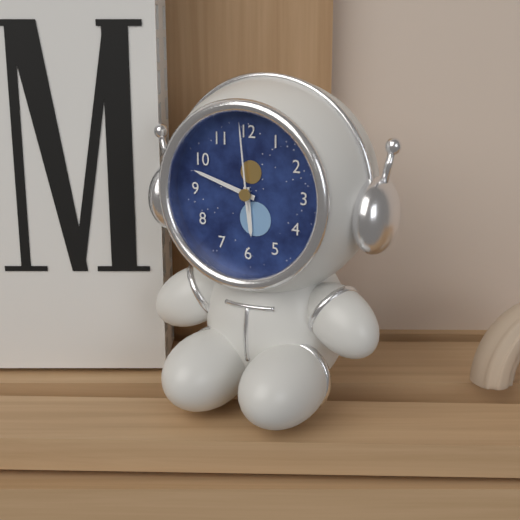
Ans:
h=5 m=48 s=59
